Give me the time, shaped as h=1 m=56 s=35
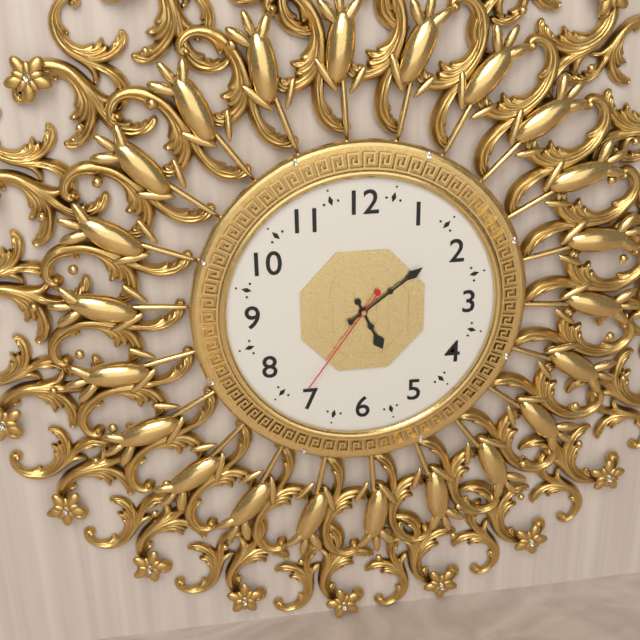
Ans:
h=5 m=9 s=36
